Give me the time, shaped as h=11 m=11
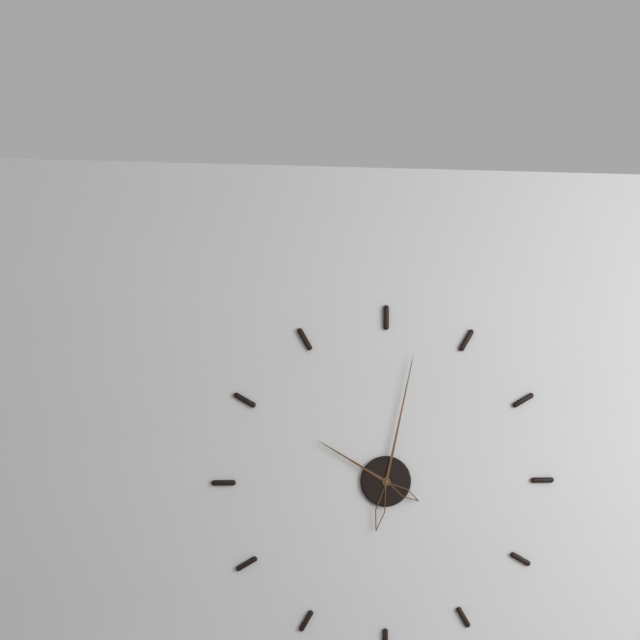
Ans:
h=10 m=2
